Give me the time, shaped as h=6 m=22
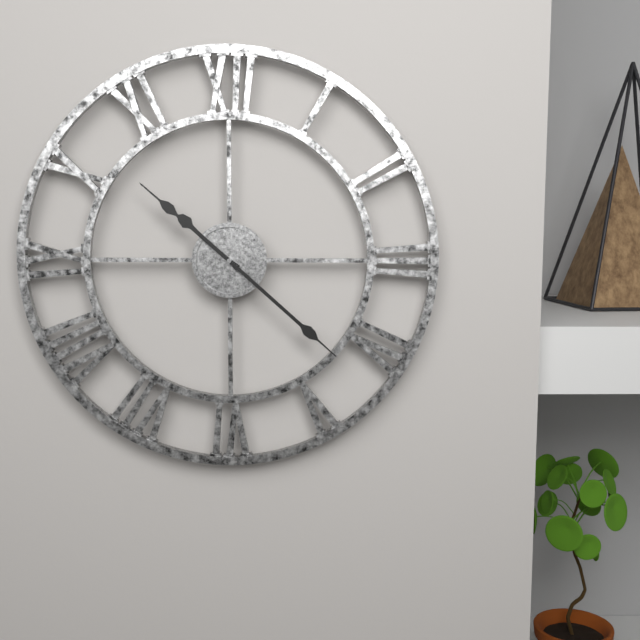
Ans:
h=10 m=22
